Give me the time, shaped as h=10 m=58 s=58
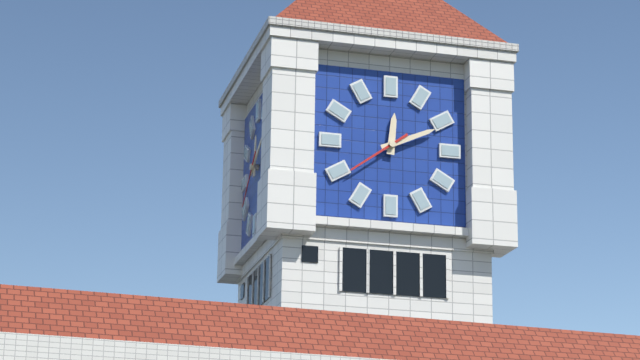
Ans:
h=12 m=11 s=39
